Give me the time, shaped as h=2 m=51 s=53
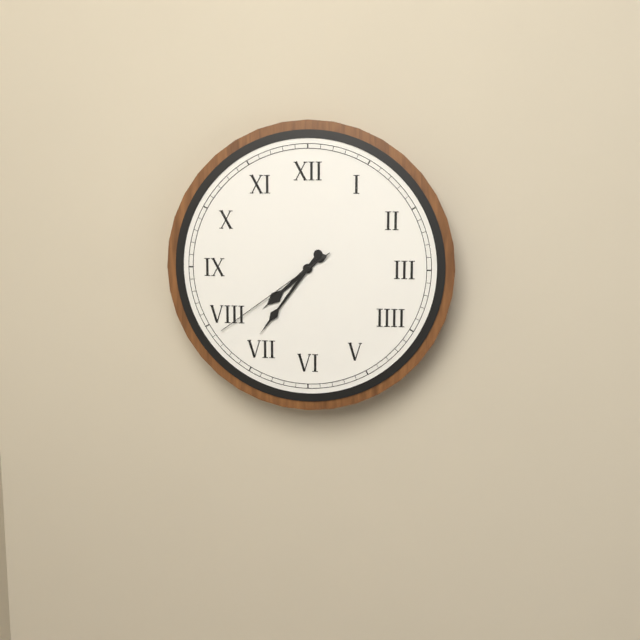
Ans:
h=7 m=36 s=39
